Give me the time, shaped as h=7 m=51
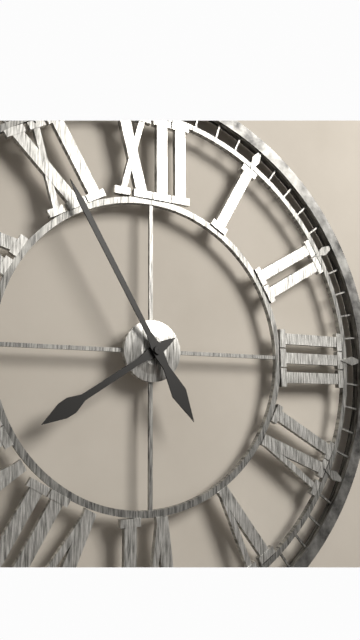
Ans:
h=7 m=55
